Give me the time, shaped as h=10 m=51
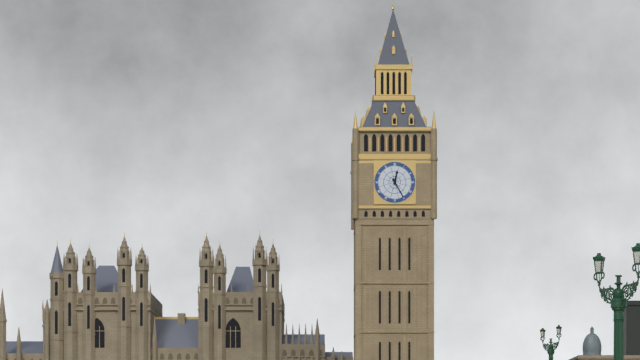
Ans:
h=12 m=25
